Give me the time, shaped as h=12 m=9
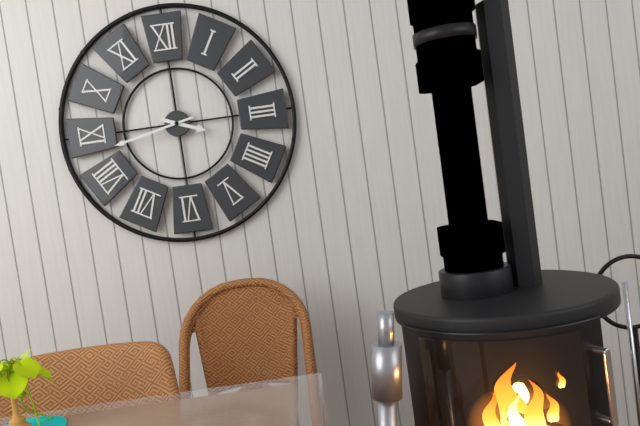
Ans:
h=3 m=43
